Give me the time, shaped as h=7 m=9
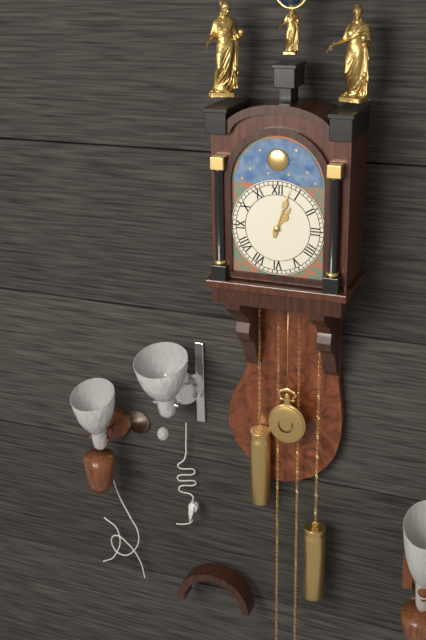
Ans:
h=1 m=3
